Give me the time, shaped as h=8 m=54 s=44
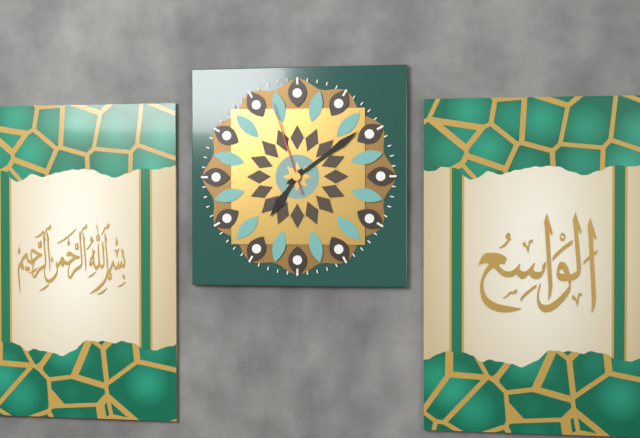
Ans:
h=7 m=9 s=57
